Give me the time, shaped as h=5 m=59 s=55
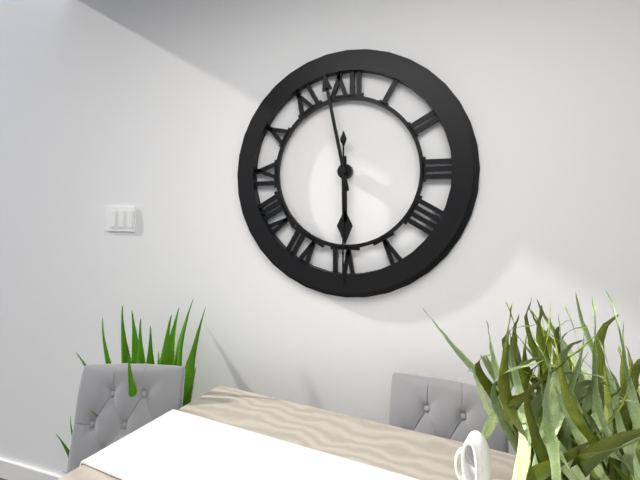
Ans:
h=5 m=58 s=30
